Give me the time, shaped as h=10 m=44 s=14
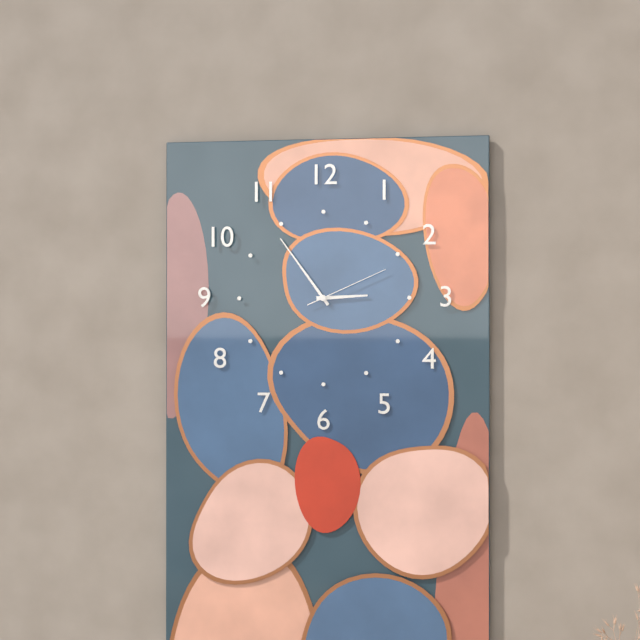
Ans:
h=2 m=54 s=11
